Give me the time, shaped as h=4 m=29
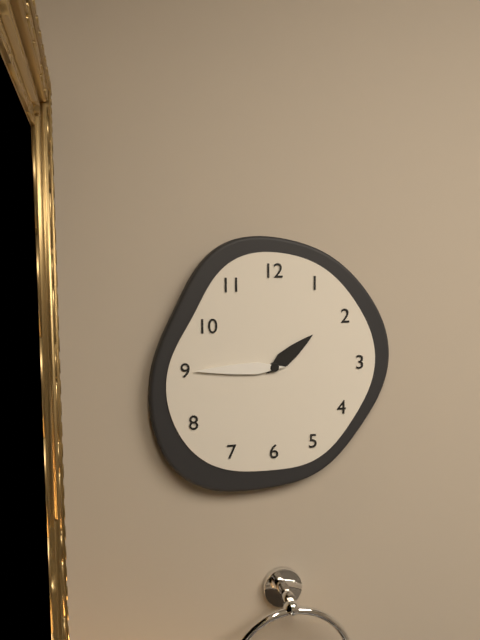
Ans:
h=1 m=45
